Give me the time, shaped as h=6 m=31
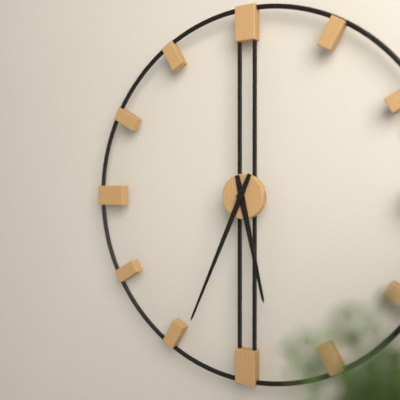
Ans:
h=5 m=34
